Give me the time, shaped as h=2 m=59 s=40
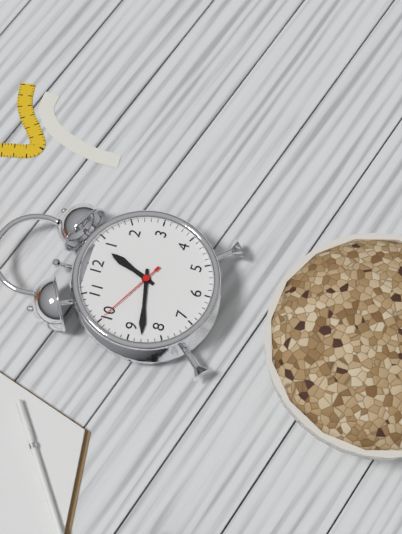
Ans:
h=12 m=43 s=50
